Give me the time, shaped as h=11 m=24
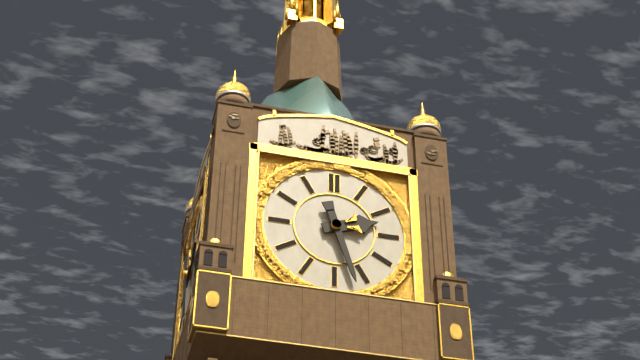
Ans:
h=2 m=27
